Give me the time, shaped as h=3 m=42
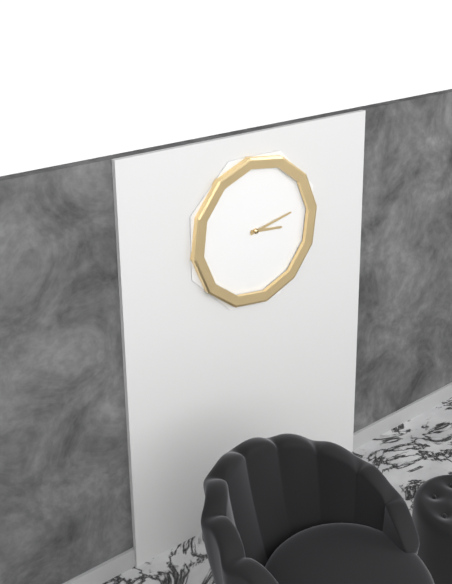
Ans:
h=3 m=13
